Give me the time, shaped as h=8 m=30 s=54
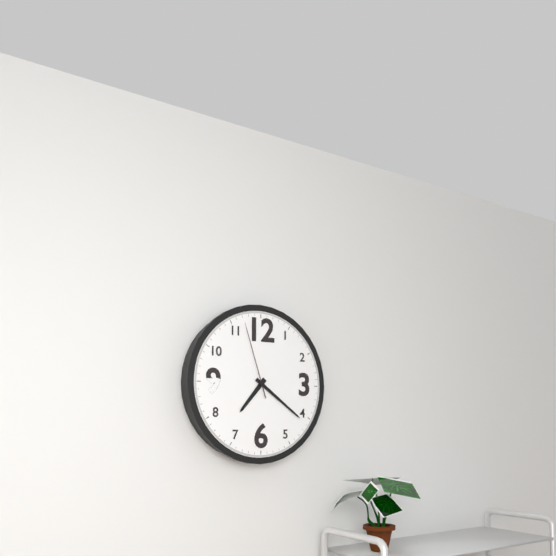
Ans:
h=7 m=21 s=57
